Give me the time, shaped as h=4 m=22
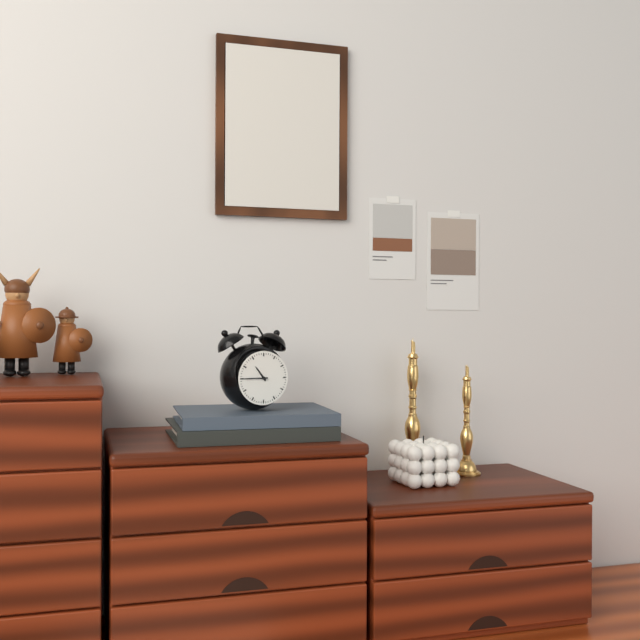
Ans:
h=10 m=45
